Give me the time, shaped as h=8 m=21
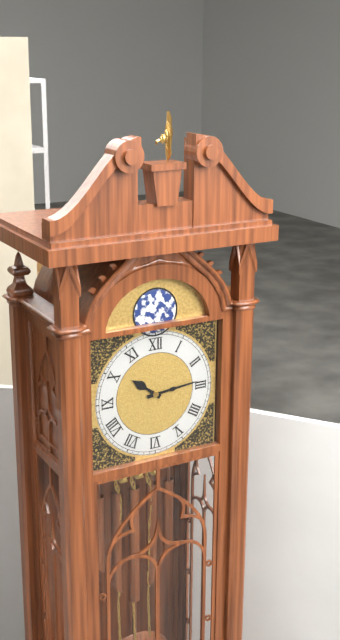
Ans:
h=10 m=14
